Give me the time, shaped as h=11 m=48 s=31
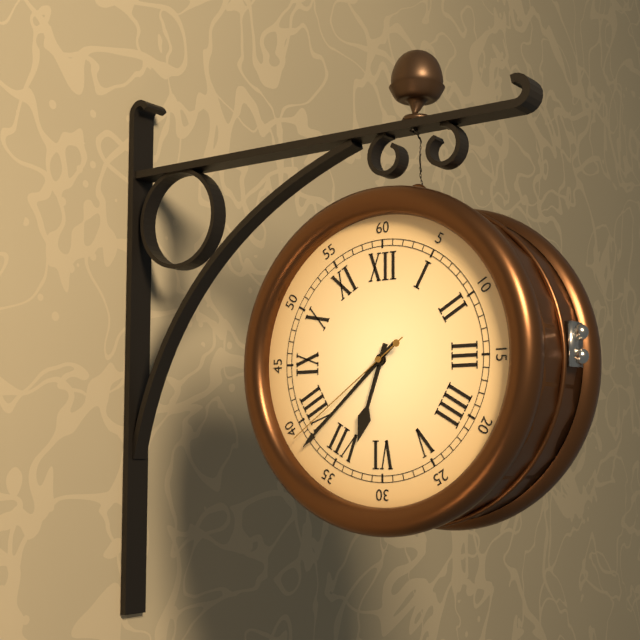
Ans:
h=6 m=38 s=39
